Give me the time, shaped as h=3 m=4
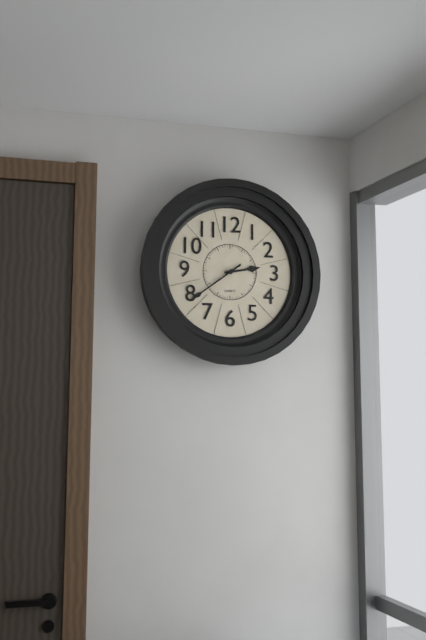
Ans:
h=2 m=39
